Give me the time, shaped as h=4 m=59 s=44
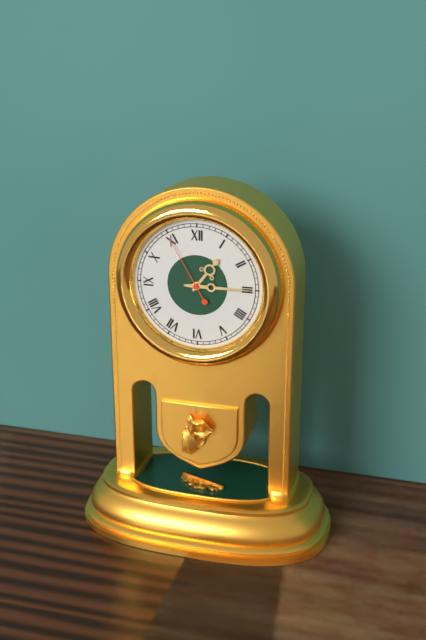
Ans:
h=1 m=15 s=55
